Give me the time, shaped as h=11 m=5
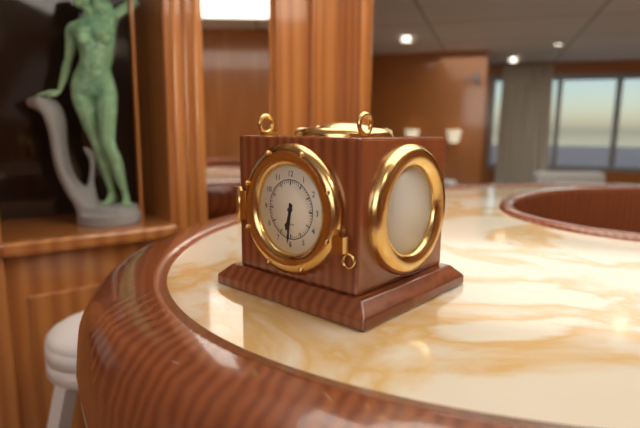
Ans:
h=6 m=31
